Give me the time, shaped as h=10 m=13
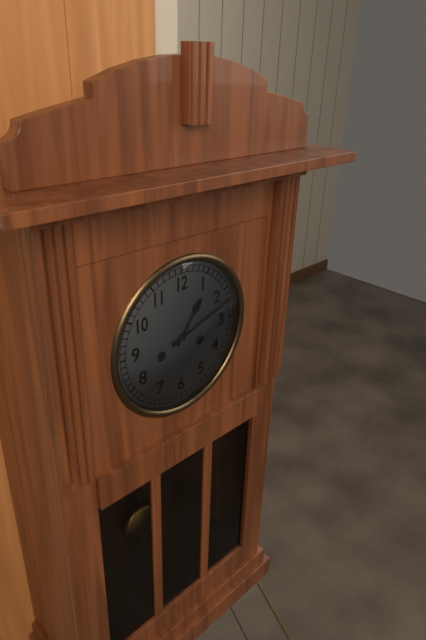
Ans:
h=1 m=12
